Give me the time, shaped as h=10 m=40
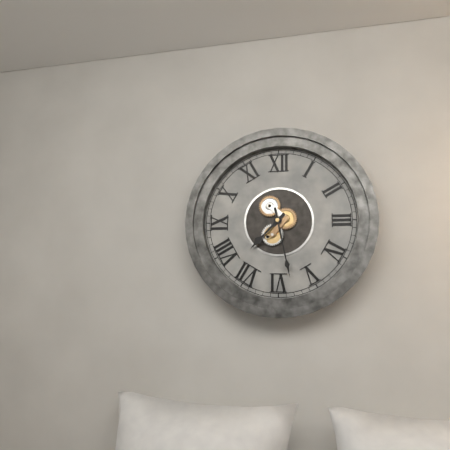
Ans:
h=7 m=28
